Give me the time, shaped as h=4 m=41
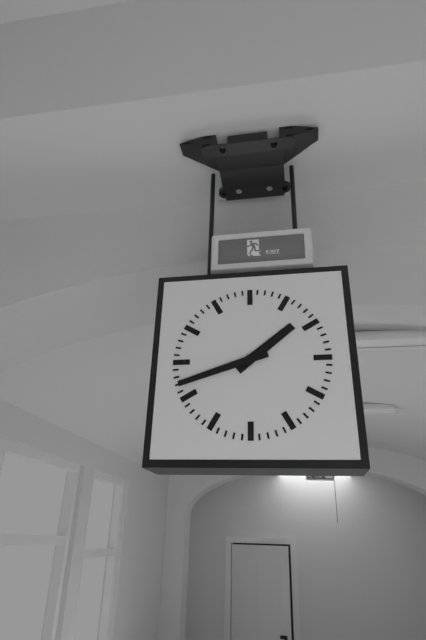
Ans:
h=1 m=42
